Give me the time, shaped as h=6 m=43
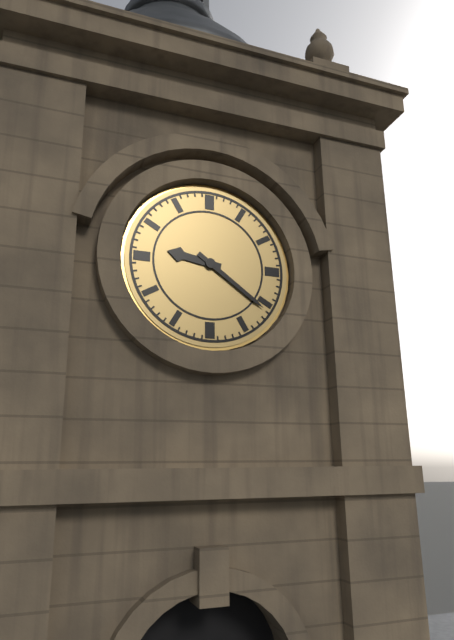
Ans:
h=9 m=21
